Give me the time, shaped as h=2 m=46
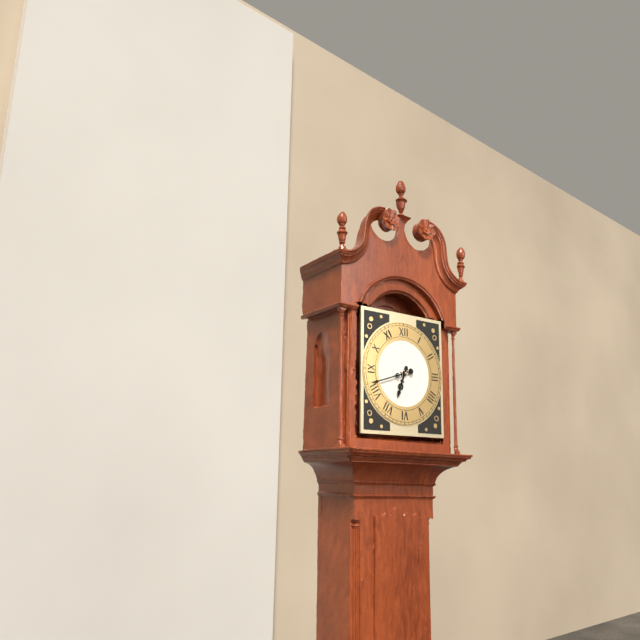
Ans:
h=6 m=42
